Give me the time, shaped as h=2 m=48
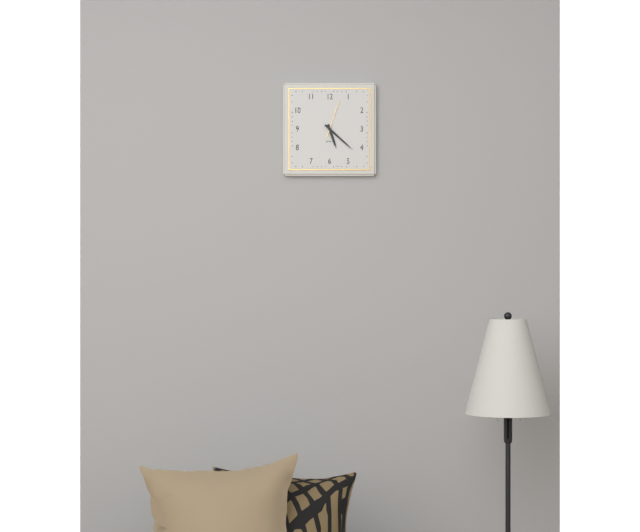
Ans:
h=5 m=22
